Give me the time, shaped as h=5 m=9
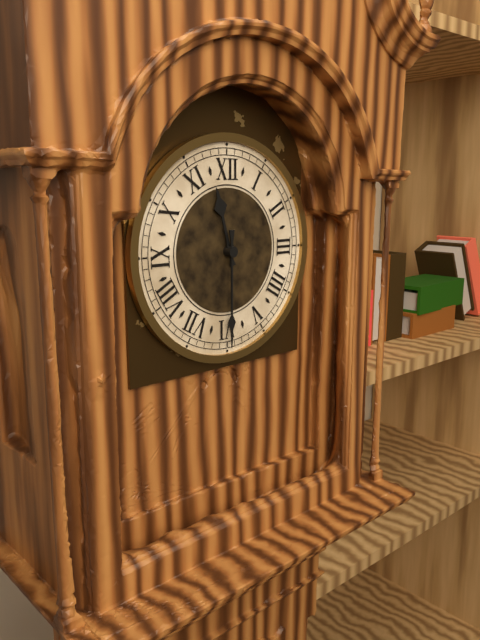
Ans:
h=11 m=30
